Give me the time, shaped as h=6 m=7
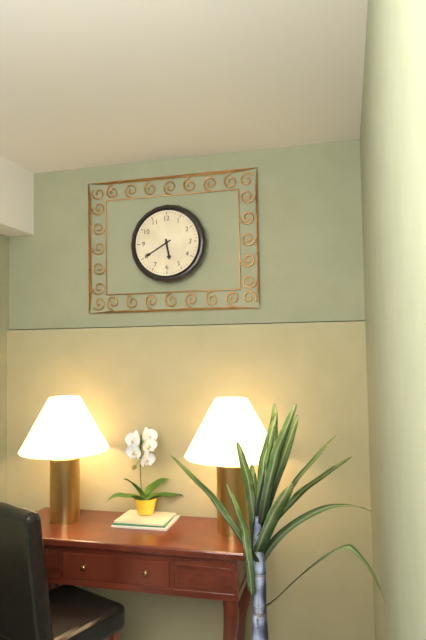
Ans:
h=5 m=40
